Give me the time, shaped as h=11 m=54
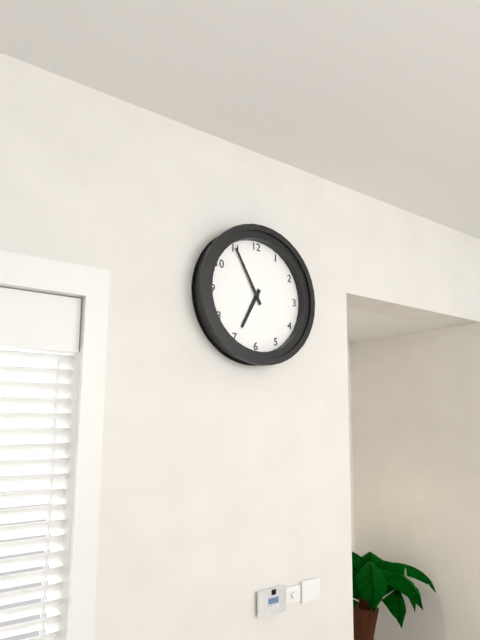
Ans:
h=6 m=55
